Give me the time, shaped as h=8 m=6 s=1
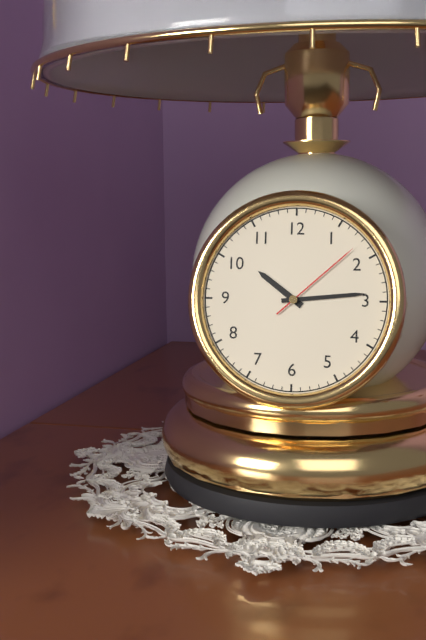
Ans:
h=10 m=14 s=8
